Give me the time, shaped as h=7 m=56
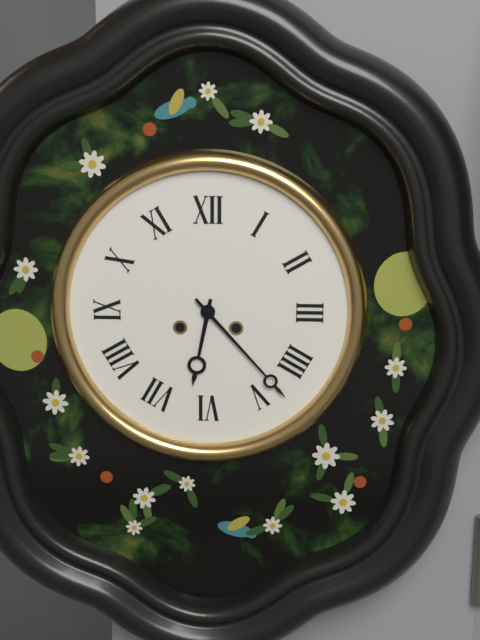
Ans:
h=6 m=23
